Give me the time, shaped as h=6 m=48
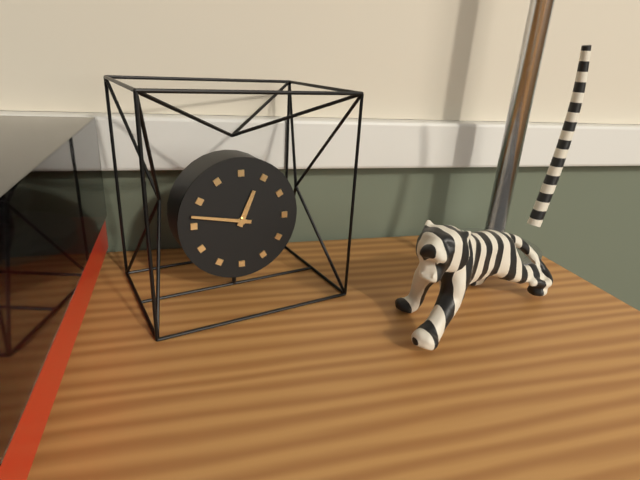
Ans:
h=12 m=47
